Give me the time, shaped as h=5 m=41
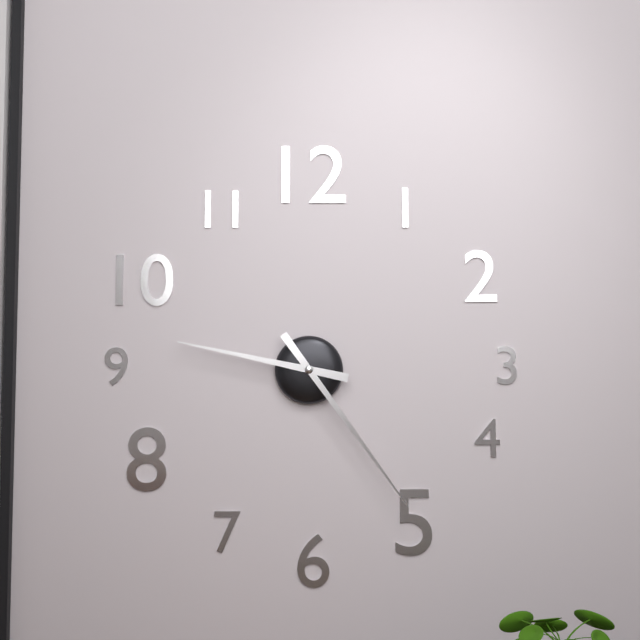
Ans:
h=9 m=24
